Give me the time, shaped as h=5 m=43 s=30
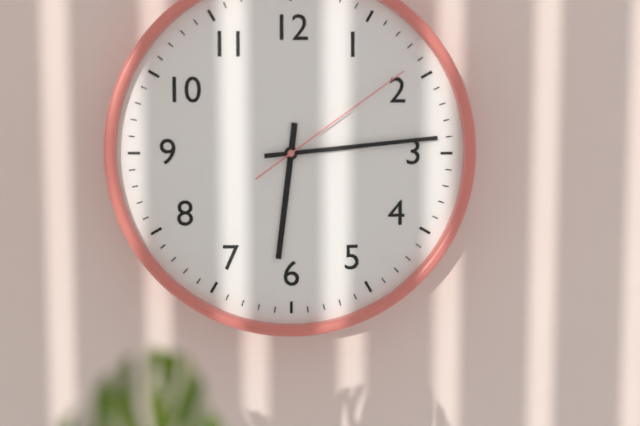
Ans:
h=6 m=14 s=9
